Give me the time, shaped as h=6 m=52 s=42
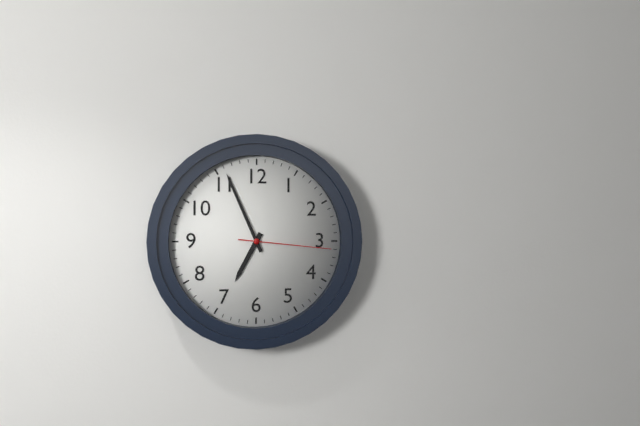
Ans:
h=6 m=56 s=16
